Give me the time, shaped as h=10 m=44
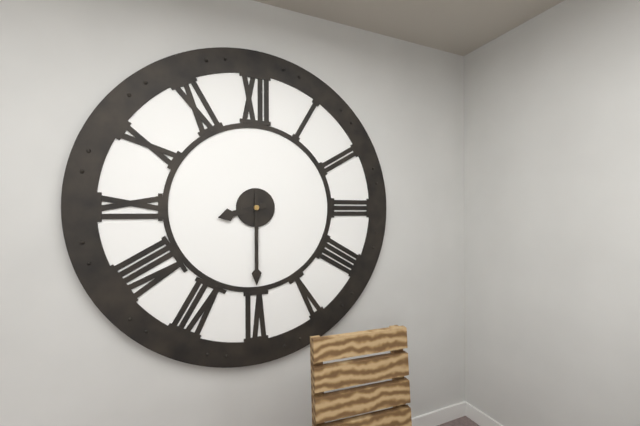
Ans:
h=8 m=30
